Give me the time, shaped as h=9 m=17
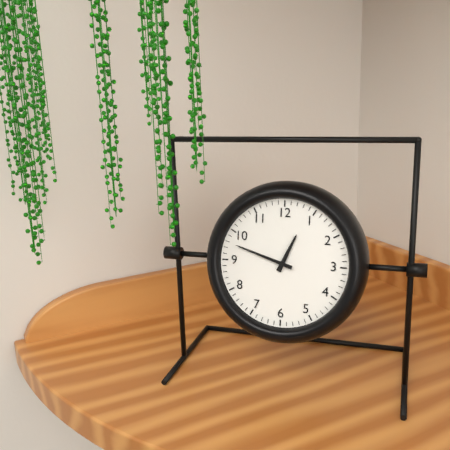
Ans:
h=12 m=48
